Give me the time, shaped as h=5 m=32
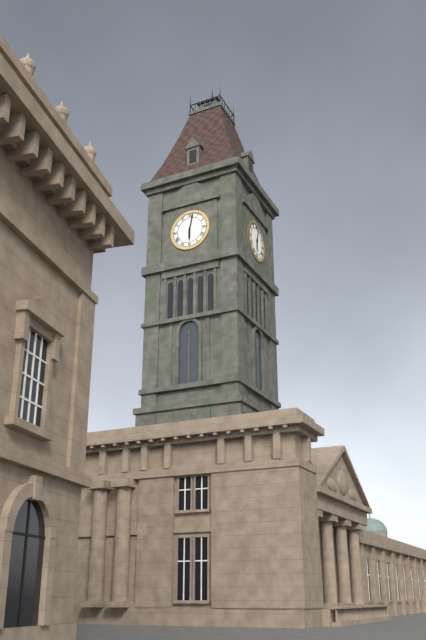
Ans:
h=6 m=2
